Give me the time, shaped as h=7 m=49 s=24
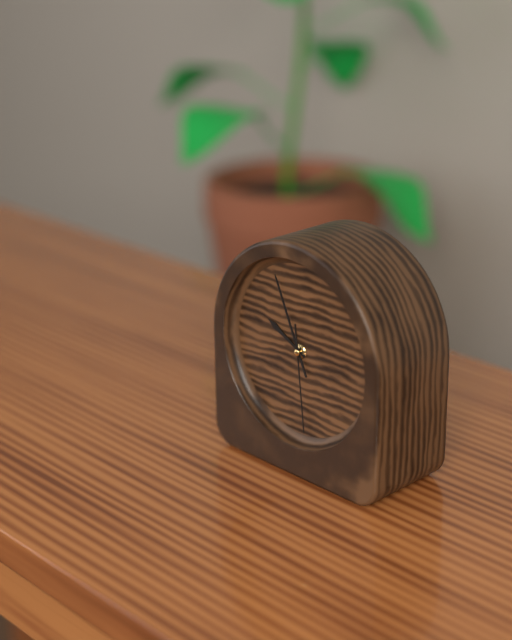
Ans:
h=9 m=56 s=29
